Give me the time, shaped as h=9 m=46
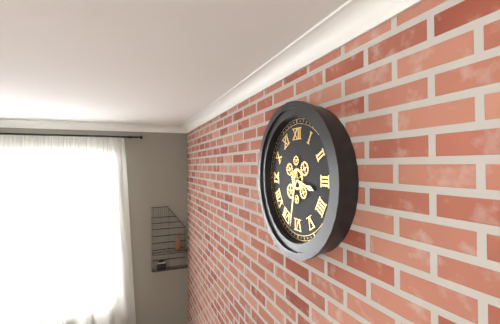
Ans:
h=3 m=32
